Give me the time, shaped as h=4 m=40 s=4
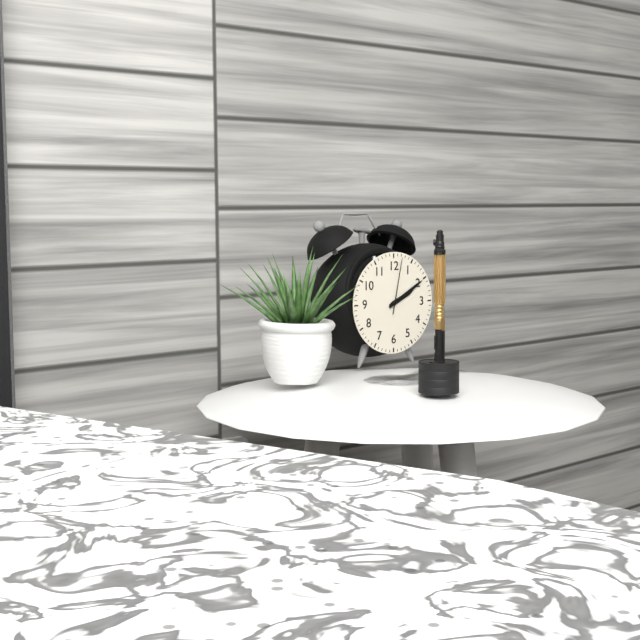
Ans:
h=2 m=10 s=2
